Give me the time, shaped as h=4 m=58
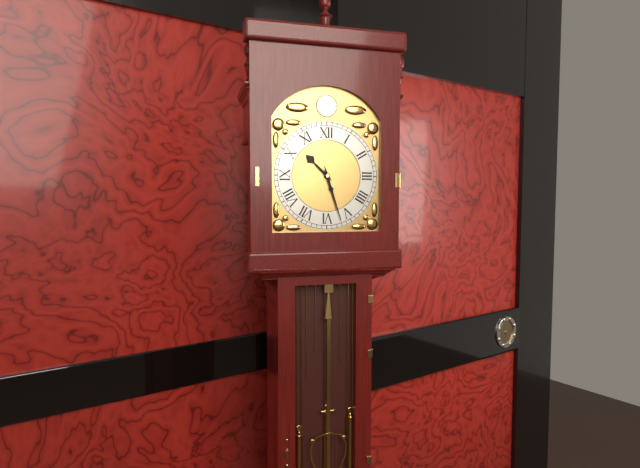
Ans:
h=10 m=27
